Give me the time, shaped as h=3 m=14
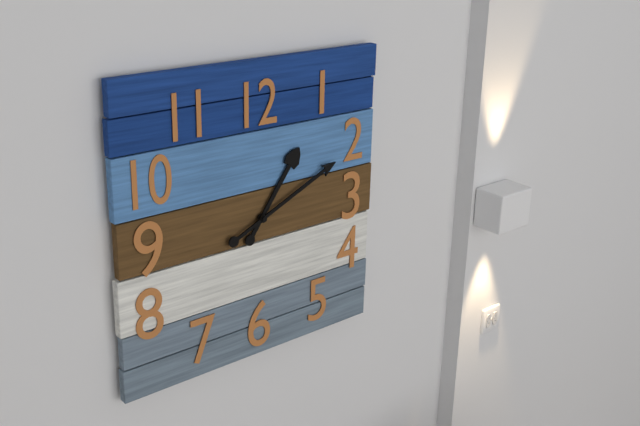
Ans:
h=1 m=11
